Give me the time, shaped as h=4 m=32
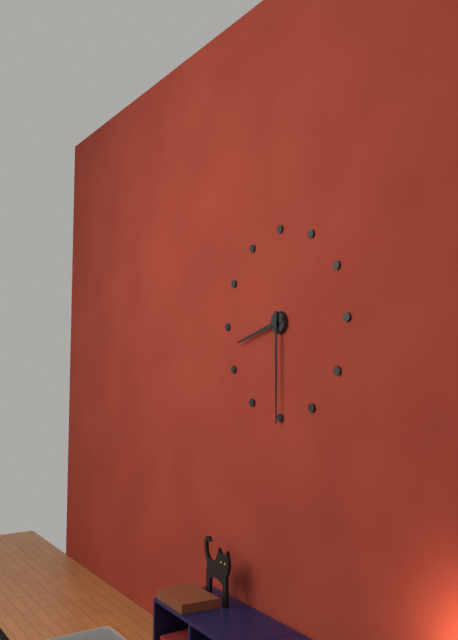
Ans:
h=8 m=30
